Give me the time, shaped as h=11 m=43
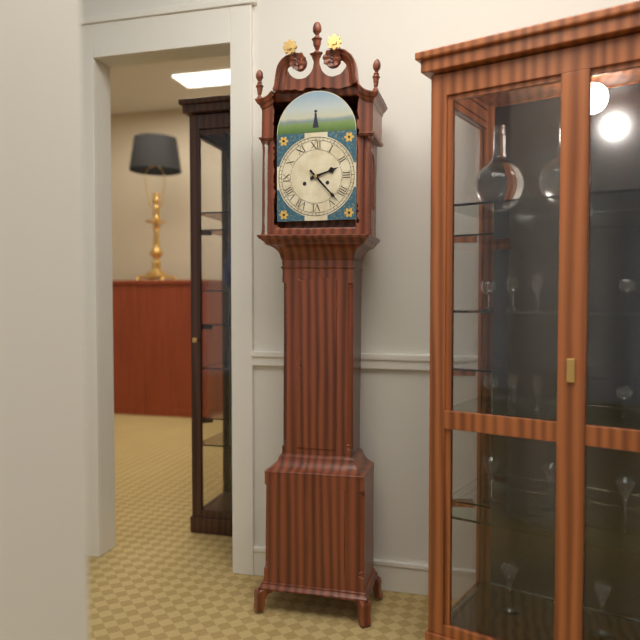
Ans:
h=2 m=23
